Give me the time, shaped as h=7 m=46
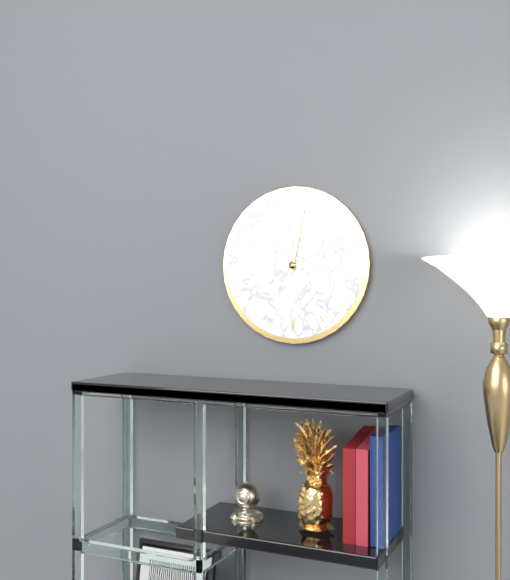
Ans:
h=3 m=2
